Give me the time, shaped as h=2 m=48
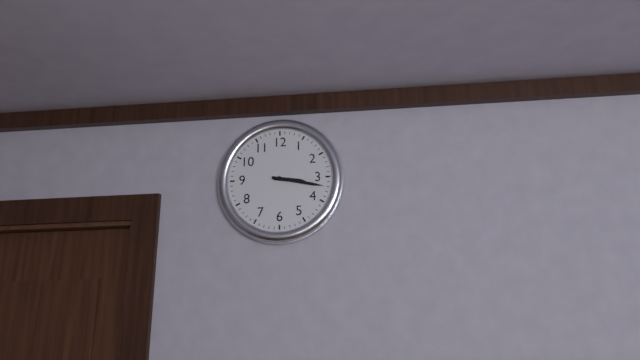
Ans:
h=3 m=17
